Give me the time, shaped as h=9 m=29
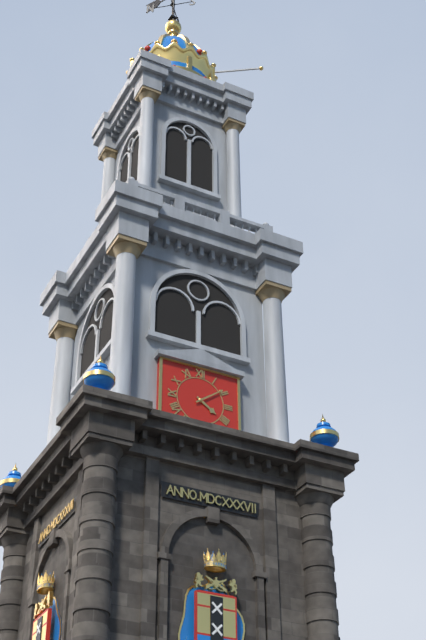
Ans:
h=4 m=9
